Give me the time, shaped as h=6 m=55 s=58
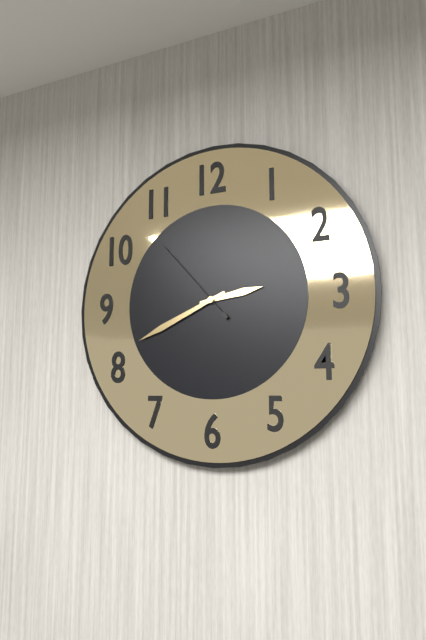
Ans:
h=2 m=41 s=53
